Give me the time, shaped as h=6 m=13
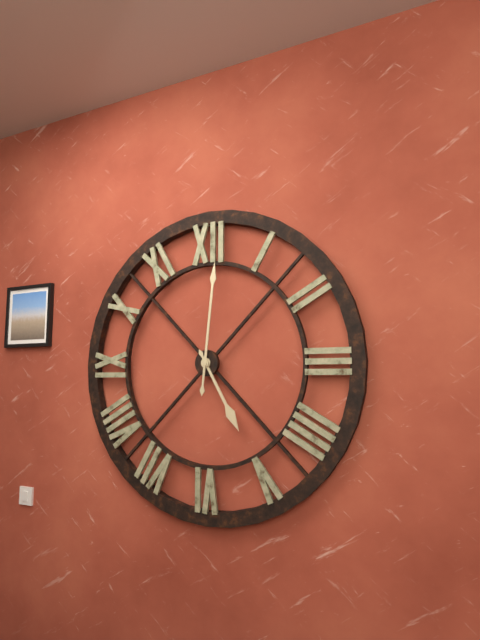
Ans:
h=5 m=1
